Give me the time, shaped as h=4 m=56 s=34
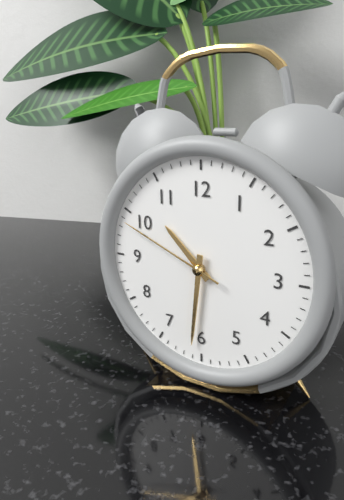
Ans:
h=10 m=31 s=49
